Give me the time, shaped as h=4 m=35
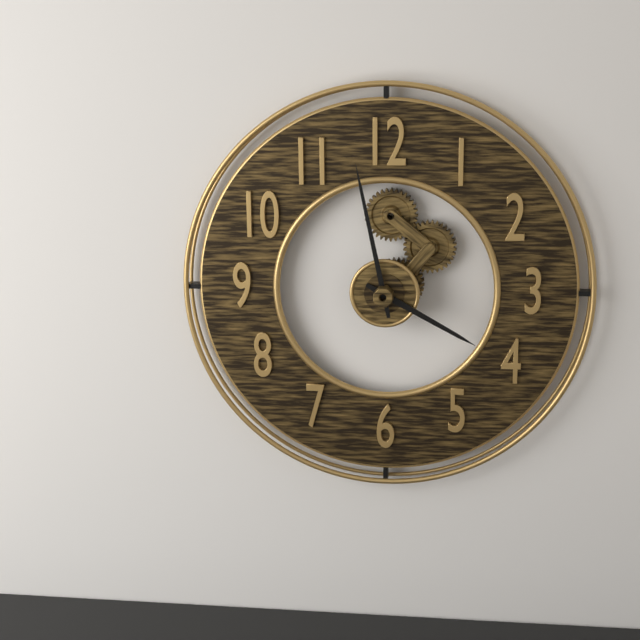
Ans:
h=3 m=58
